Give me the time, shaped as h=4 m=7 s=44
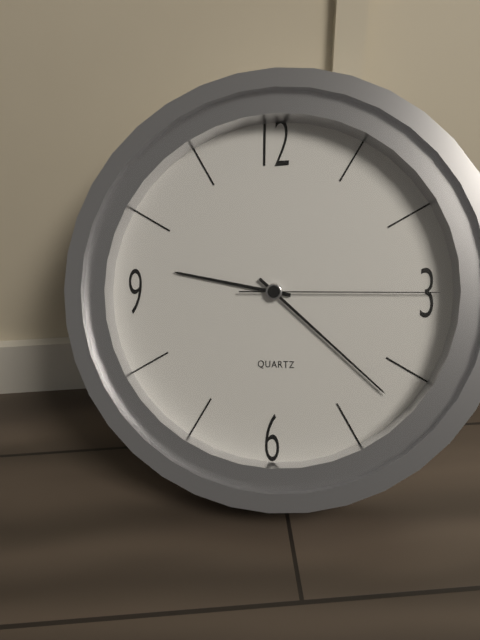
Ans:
h=9 m=22 s=15
